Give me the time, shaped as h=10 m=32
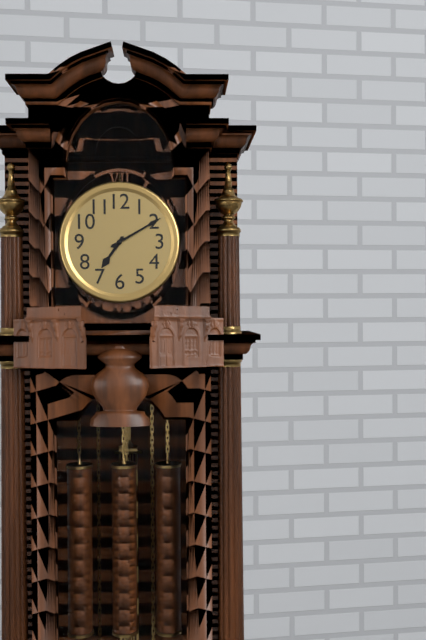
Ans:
h=7 m=10
